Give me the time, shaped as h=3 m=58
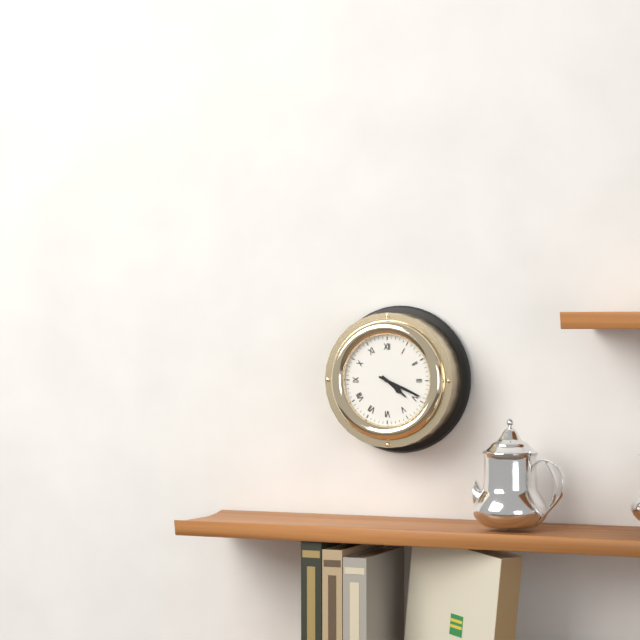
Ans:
h=4 m=19
